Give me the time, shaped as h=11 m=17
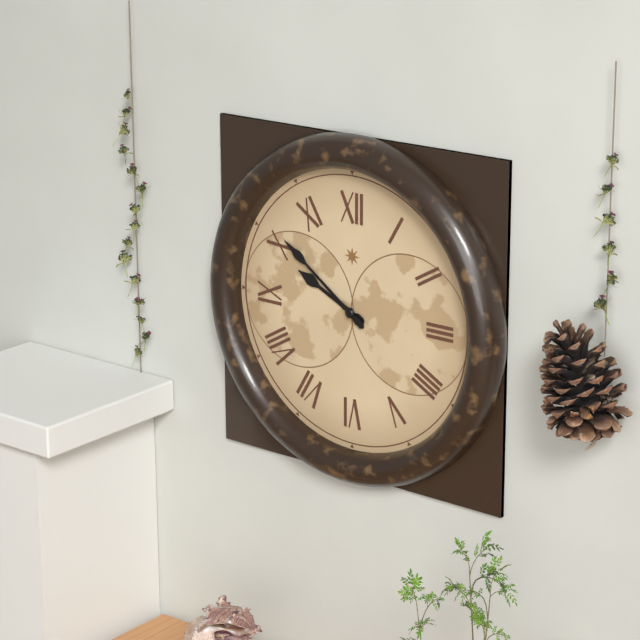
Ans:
h=9 m=51
